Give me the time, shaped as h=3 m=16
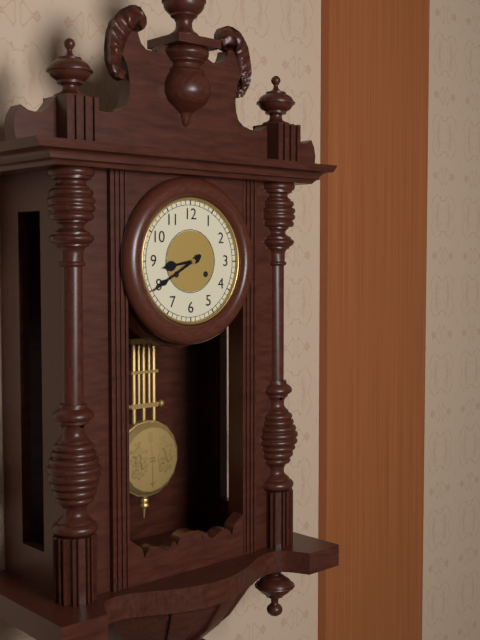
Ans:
h=8 m=40
